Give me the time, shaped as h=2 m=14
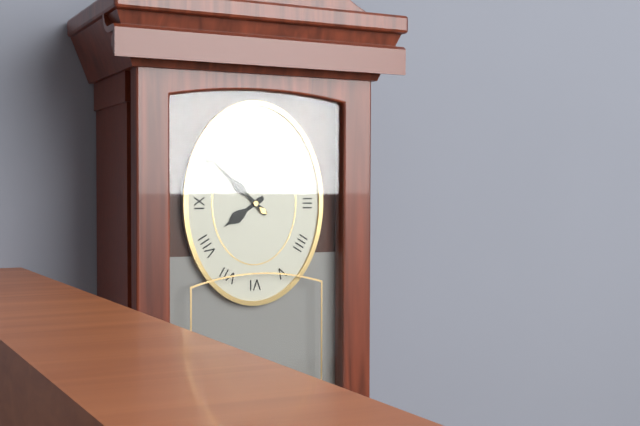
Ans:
h=7 m=52
